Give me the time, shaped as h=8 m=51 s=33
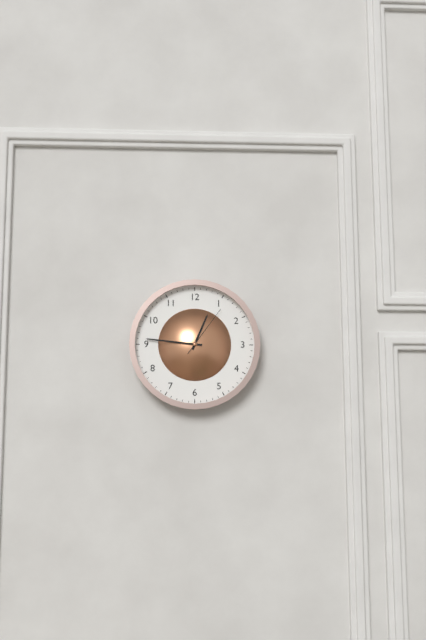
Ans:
h=12 m=46 s=6
